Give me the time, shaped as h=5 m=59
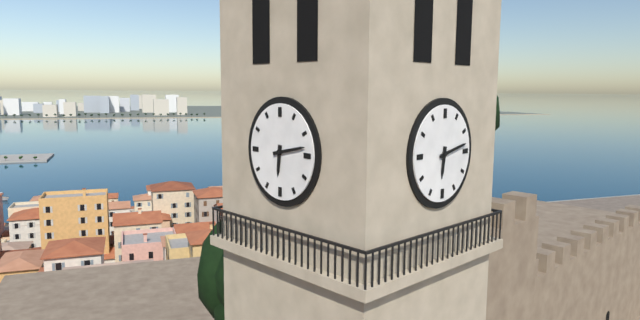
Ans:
h=6 m=13
